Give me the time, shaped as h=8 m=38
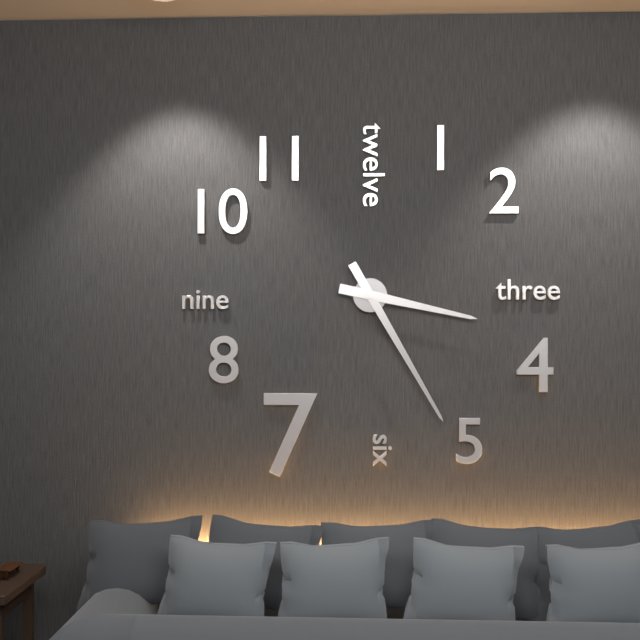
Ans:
h=3 m=25
